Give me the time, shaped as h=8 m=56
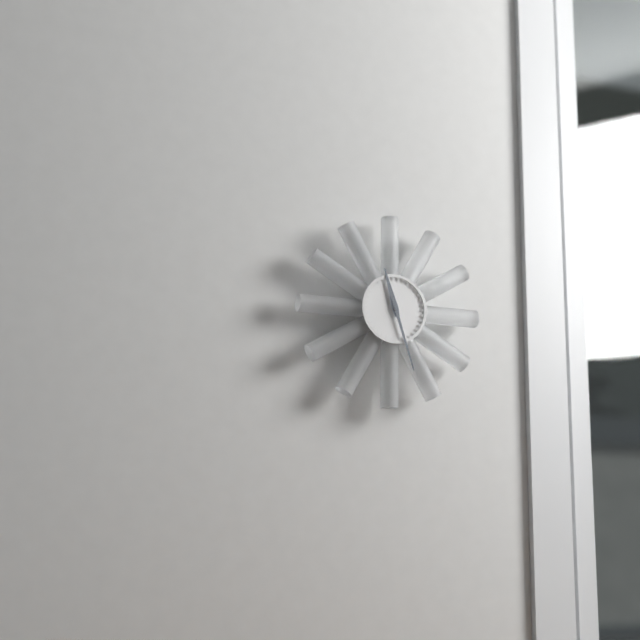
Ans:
h=11 m=27
